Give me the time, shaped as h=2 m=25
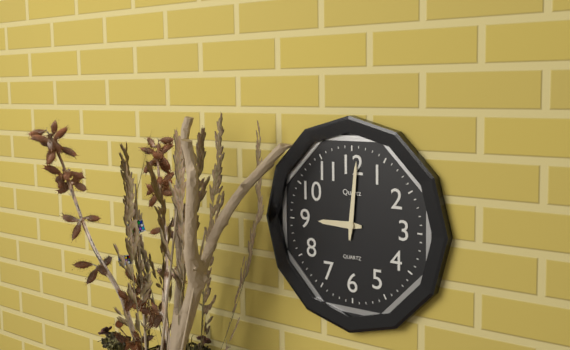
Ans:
h=9 m=1
